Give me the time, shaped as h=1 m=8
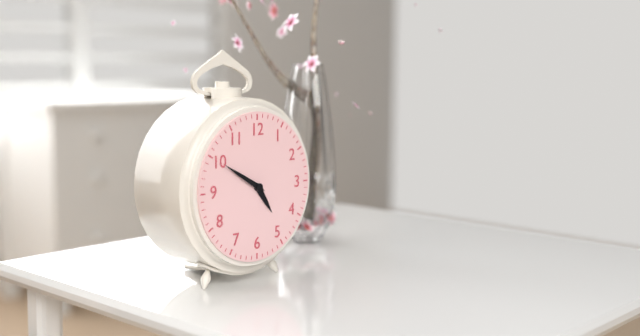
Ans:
h=4 m=50
